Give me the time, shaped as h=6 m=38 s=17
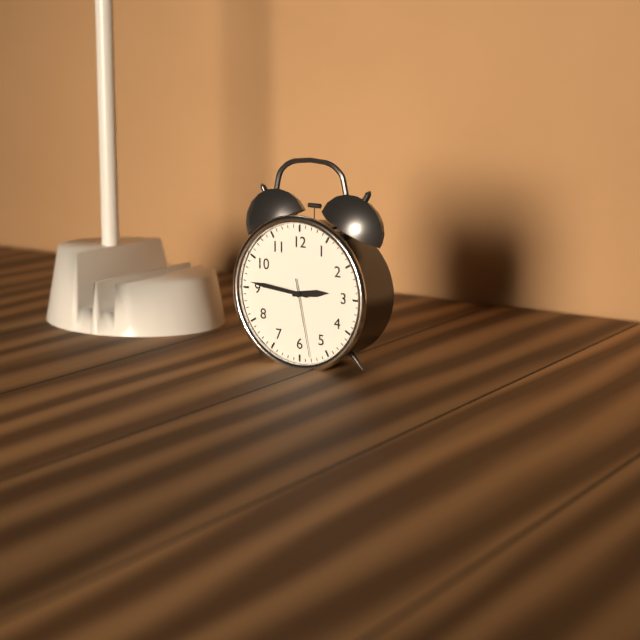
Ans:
h=2 m=46 s=28
